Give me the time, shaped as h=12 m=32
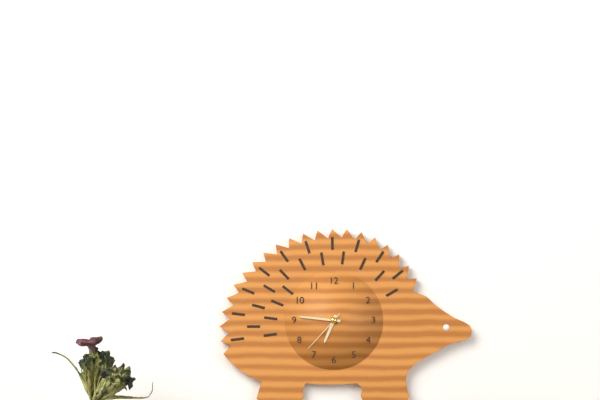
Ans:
h=6 m=46
